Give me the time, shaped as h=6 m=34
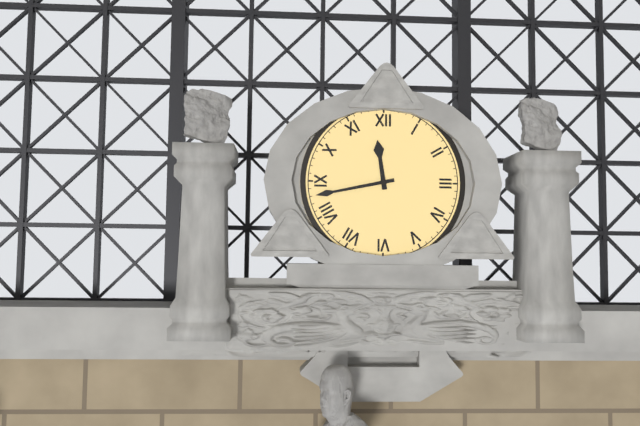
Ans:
h=11 m=43
